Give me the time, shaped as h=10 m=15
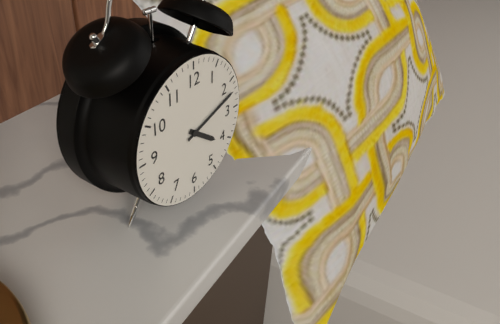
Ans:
h=4 m=12
